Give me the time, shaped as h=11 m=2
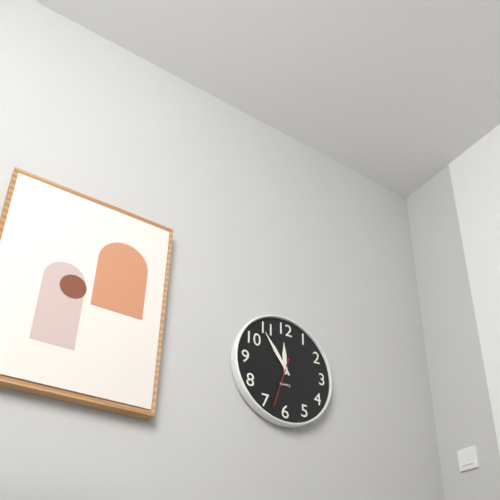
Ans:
h=11 m=54
